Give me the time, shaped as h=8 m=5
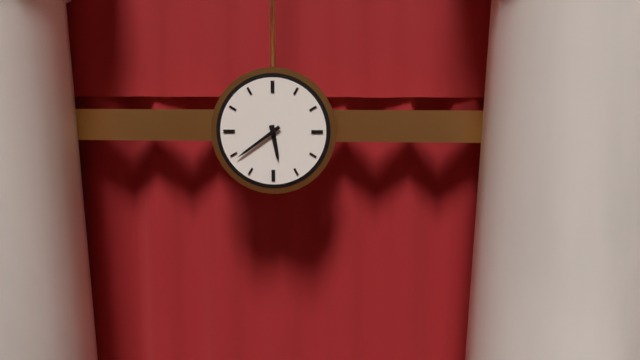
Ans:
h=5 m=39
